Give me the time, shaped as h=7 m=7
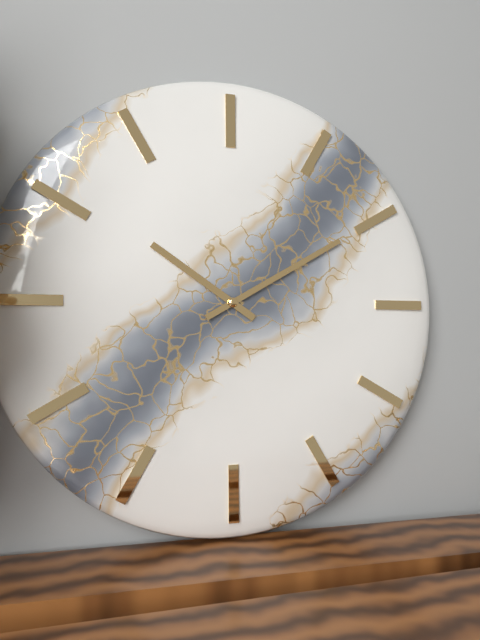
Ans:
h=10 m=10
